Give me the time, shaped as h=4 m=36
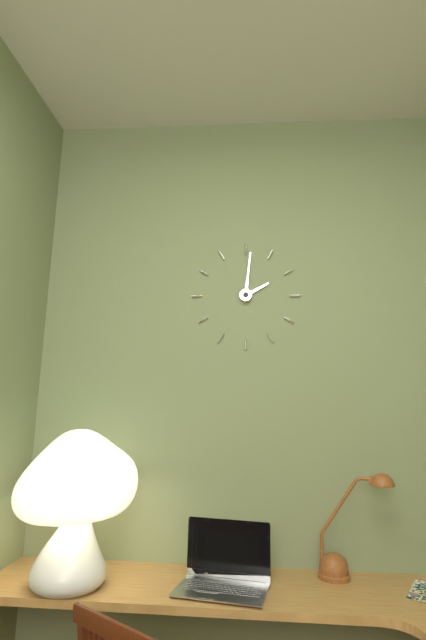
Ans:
h=2 m=1
